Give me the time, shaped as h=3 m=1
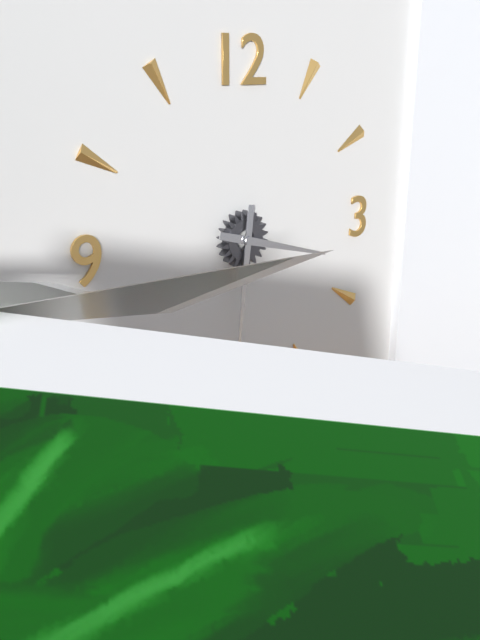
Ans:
h=3 m=31
